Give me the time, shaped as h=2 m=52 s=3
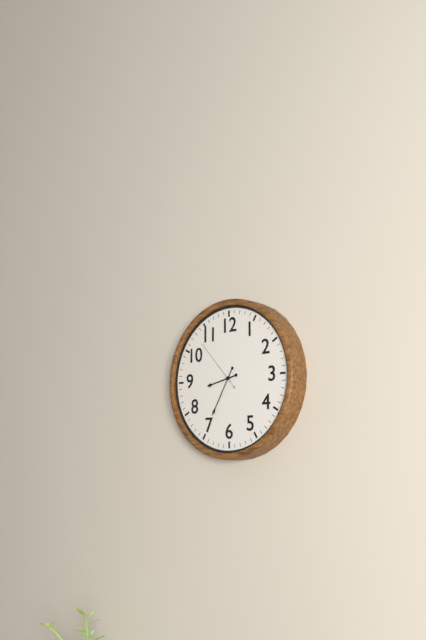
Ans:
h=8 m=35 s=53
